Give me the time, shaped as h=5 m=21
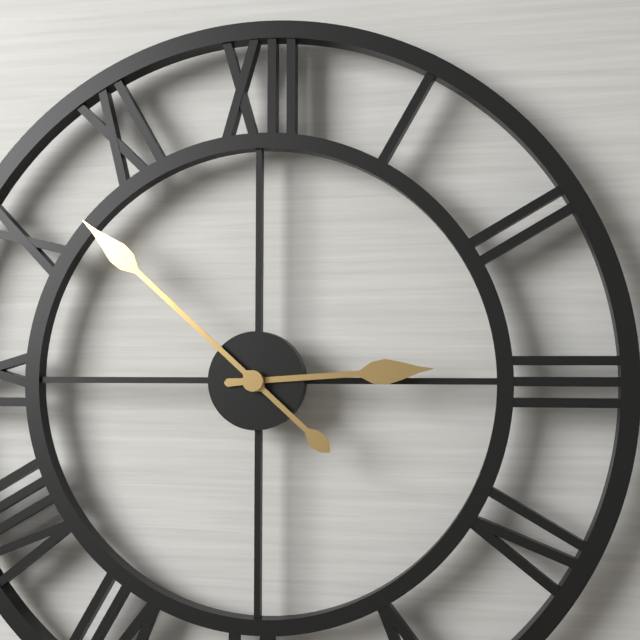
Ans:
h=2 m=52
